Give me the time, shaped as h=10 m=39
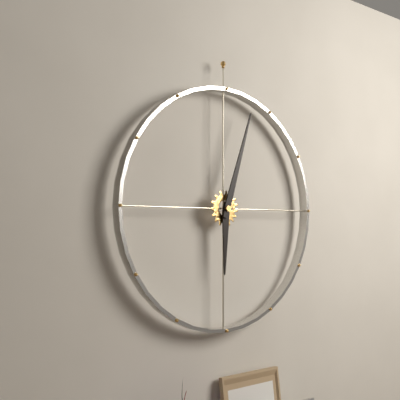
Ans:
h=6 m=3
